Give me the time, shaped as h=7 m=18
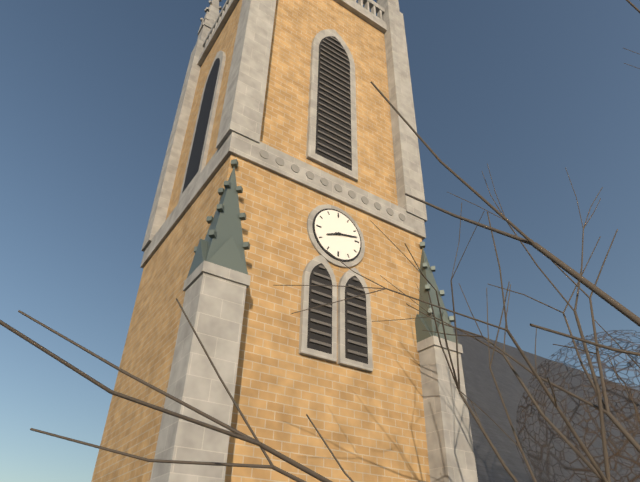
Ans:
h=8 m=13
